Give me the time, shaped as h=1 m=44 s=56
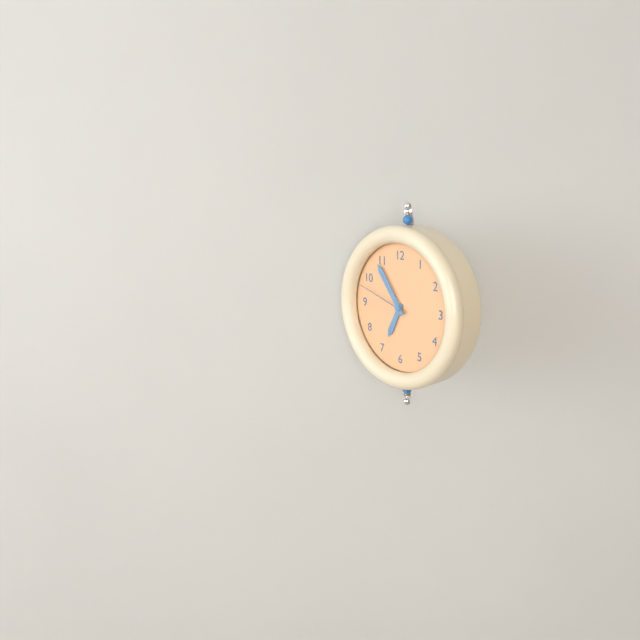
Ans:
h=6 m=54 s=48
